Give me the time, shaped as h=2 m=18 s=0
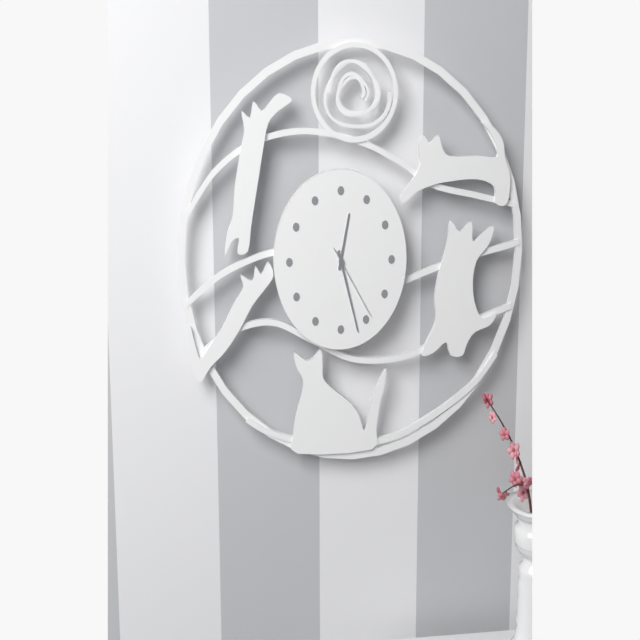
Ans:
h=12 m=27 s=24
